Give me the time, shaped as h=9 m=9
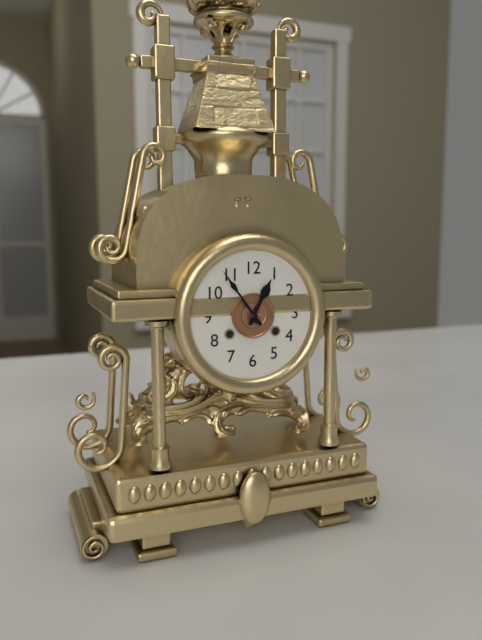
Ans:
h=12 m=54
